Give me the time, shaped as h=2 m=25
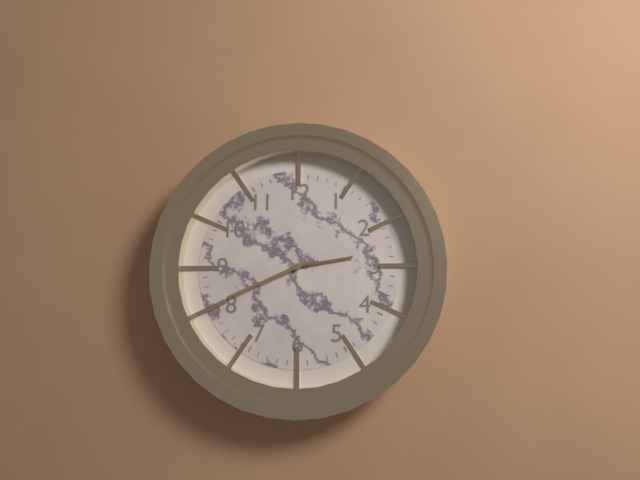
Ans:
h=2 m=41
